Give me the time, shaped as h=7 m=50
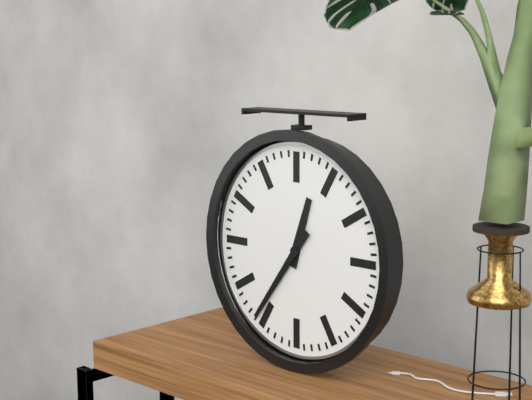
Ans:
h=12 m=36
